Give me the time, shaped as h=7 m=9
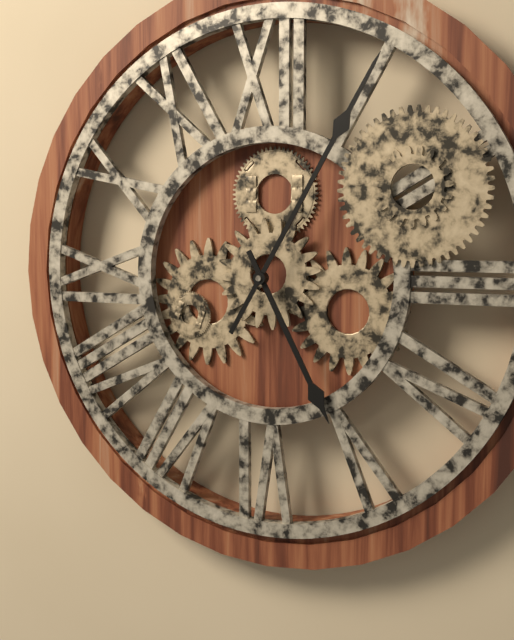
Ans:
h=5 m=5
